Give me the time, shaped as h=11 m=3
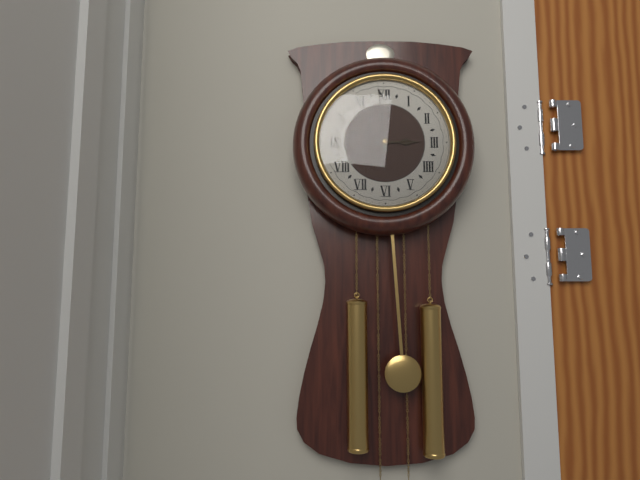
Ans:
h=2 m=59
